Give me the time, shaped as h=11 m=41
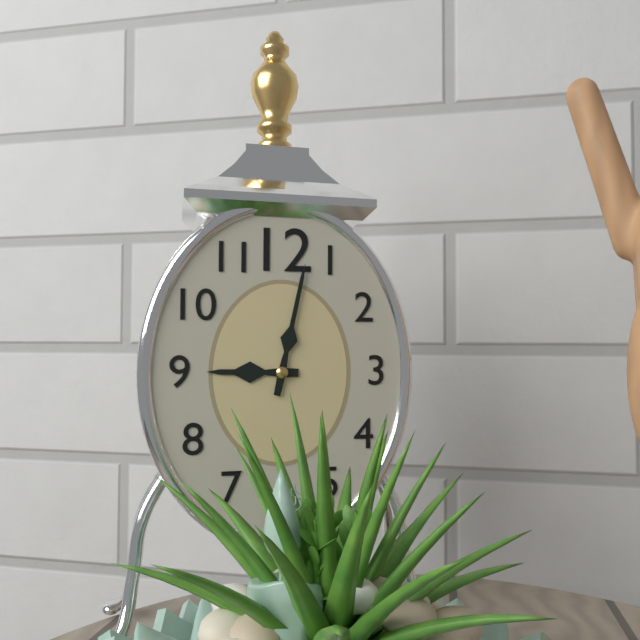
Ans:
h=9 m=2
